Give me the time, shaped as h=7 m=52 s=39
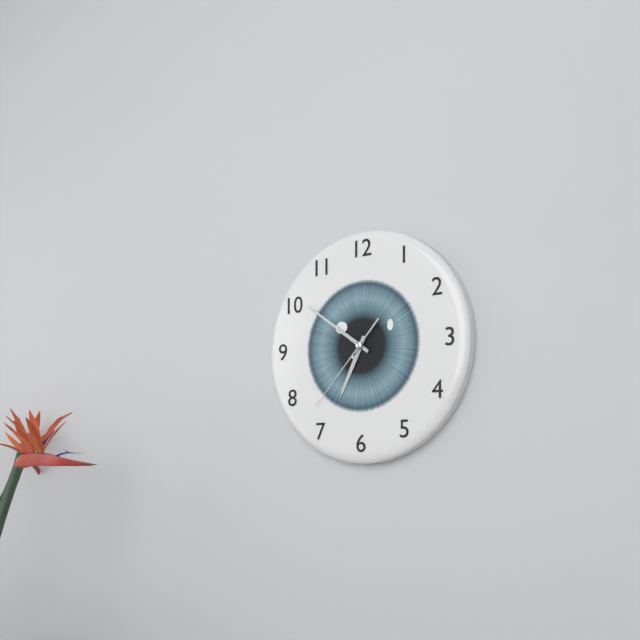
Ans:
h=6 m=51 s=37
